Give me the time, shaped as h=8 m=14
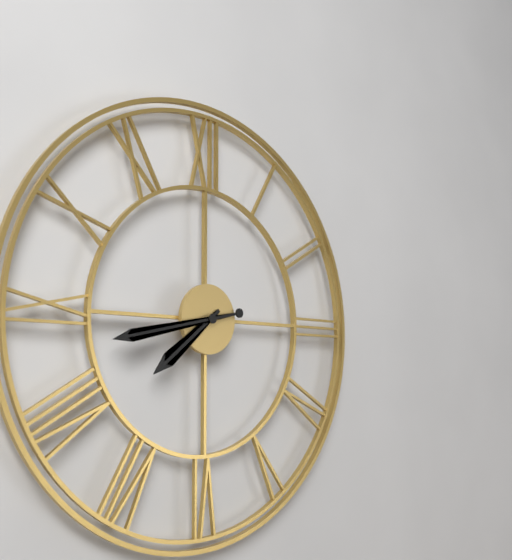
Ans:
h=7 m=43
